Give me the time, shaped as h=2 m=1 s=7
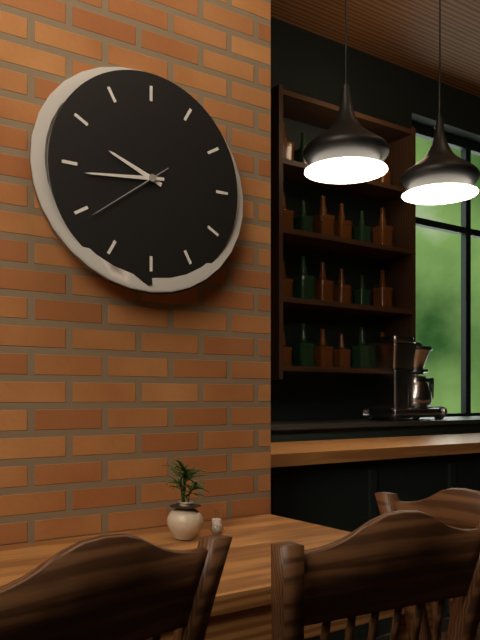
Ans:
h=9 m=44 s=39
